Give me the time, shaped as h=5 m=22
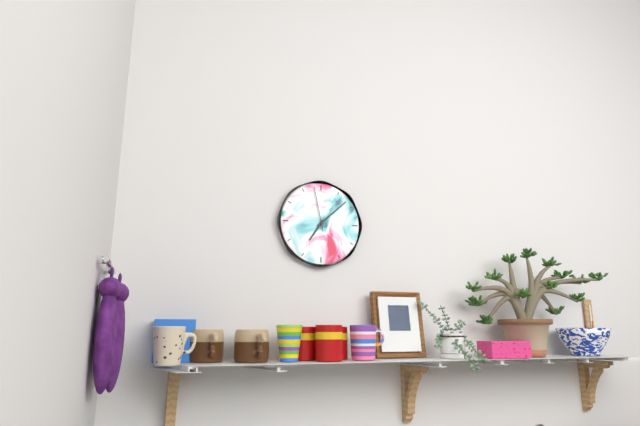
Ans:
h=7 m=8
